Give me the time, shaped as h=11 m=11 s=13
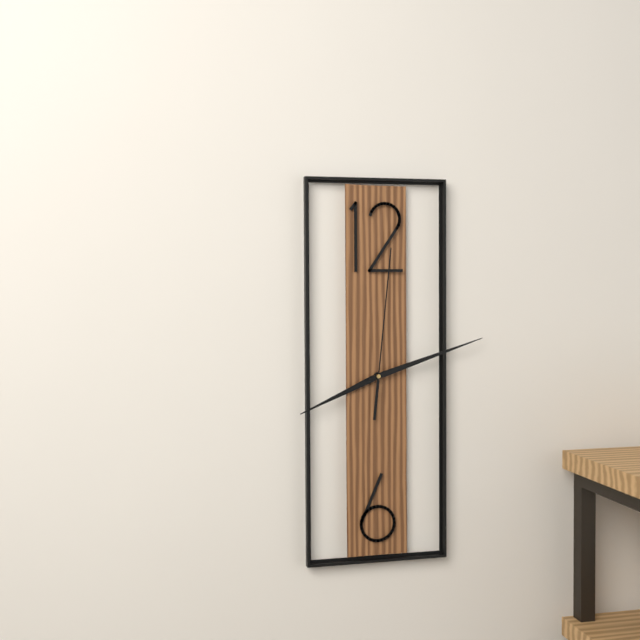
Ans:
h=8 m=12 s=1
